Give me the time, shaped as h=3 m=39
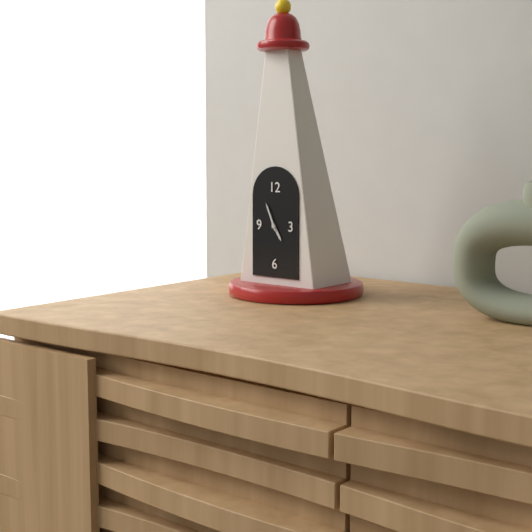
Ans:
h=4 m=56
